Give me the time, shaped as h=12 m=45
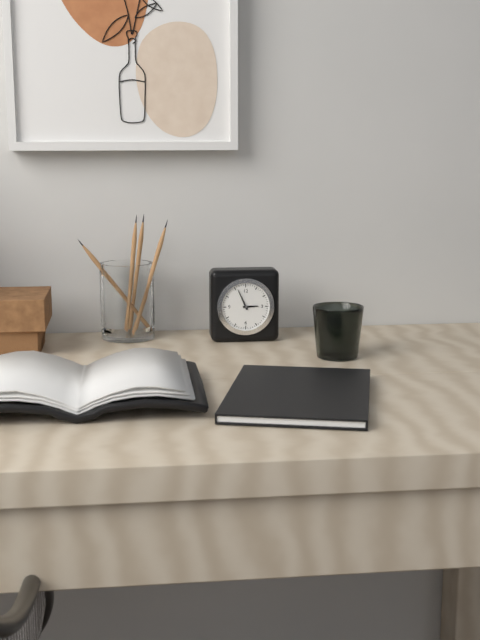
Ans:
h=2 m=56
